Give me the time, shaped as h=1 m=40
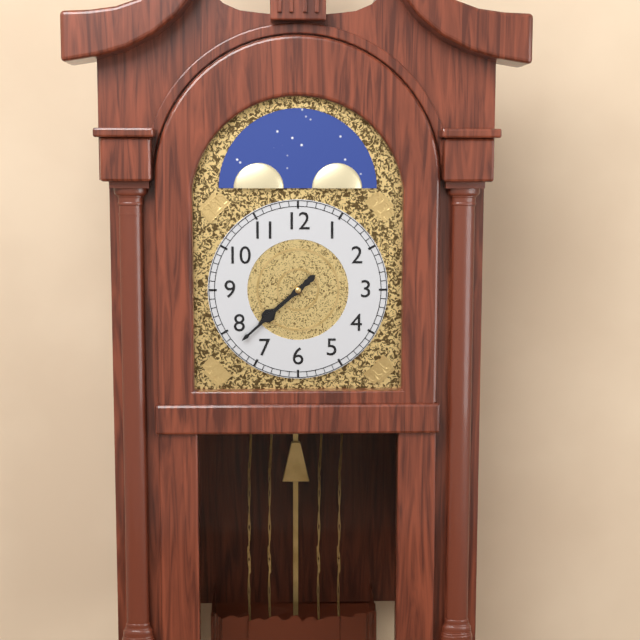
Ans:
h=7 m=38
